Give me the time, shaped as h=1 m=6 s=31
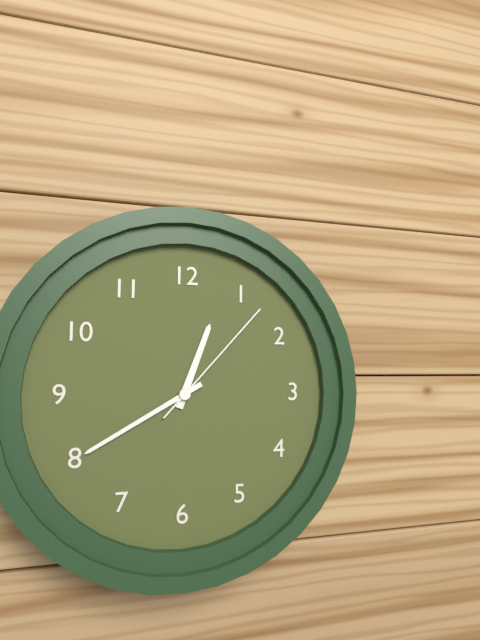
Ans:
h=12 m=40 s=7
